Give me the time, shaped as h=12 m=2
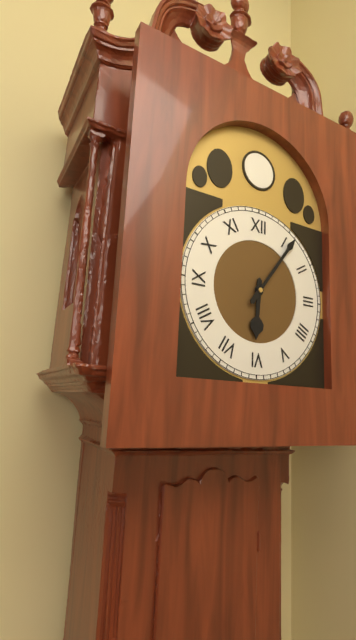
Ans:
h=6 m=6
